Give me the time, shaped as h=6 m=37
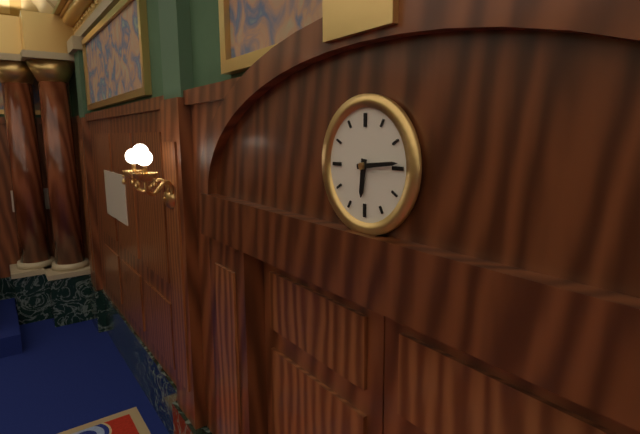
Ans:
h=6 m=14
